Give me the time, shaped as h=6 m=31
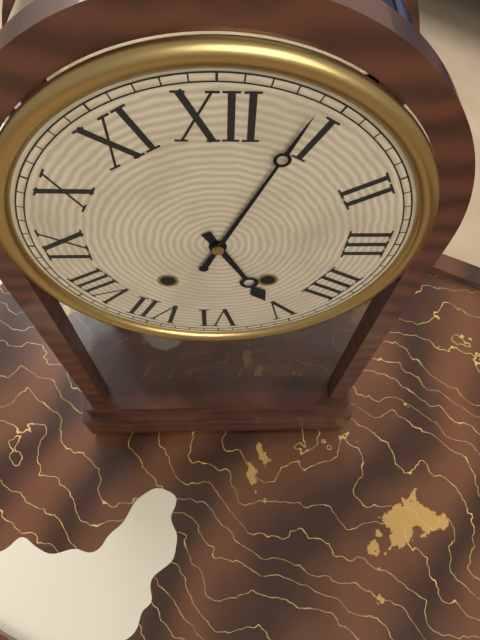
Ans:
h=5 m=4
